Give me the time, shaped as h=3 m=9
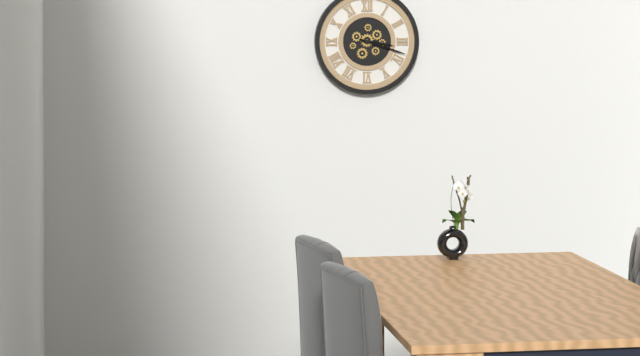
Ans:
h=3 m=18
